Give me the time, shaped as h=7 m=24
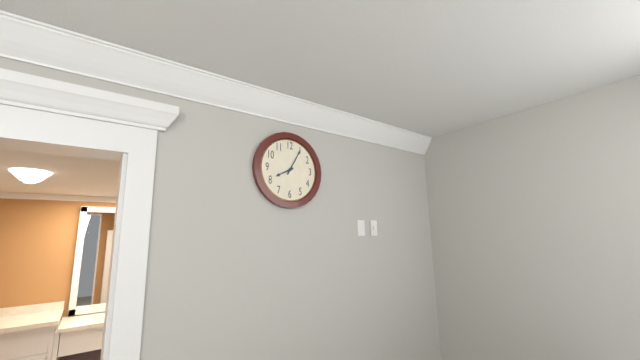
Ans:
h=8 m=5
